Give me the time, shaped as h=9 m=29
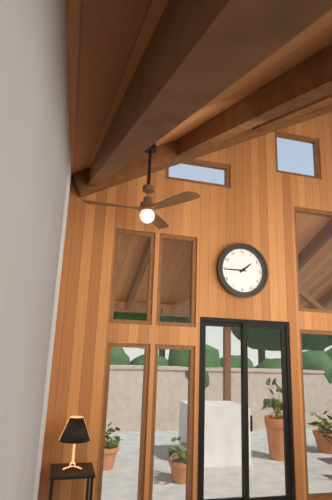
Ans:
h=1 m=45
